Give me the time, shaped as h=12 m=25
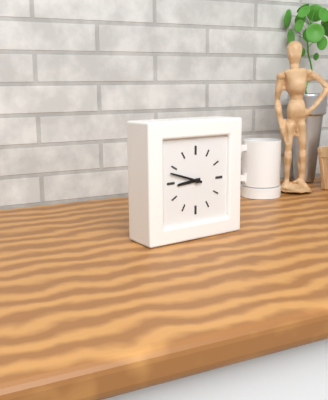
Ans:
h=8 m=48
